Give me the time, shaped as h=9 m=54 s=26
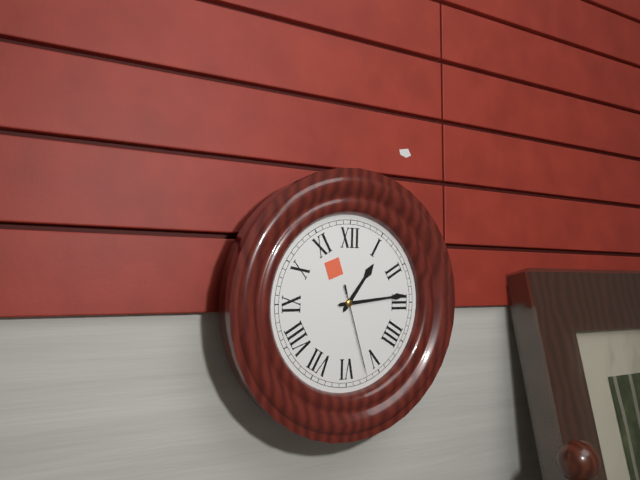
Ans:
h=1 m=14 s=27
